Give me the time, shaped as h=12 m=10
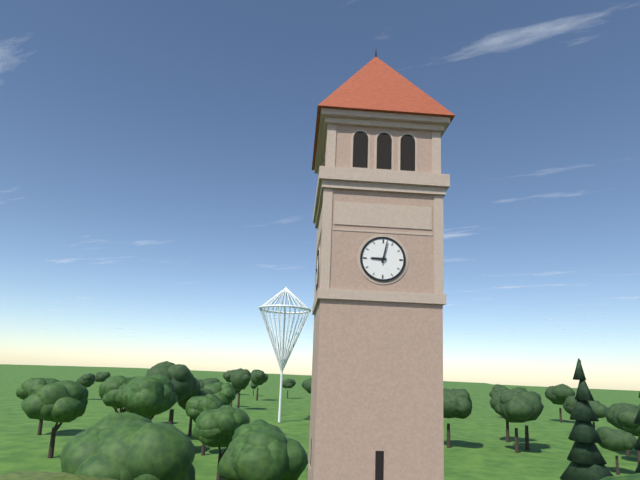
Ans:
h=9 m=2
